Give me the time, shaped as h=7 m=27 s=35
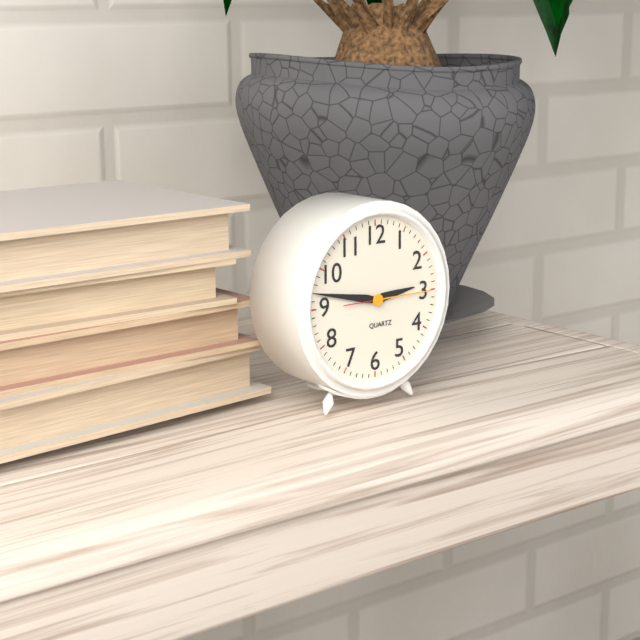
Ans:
h=2 m=47 s=15
